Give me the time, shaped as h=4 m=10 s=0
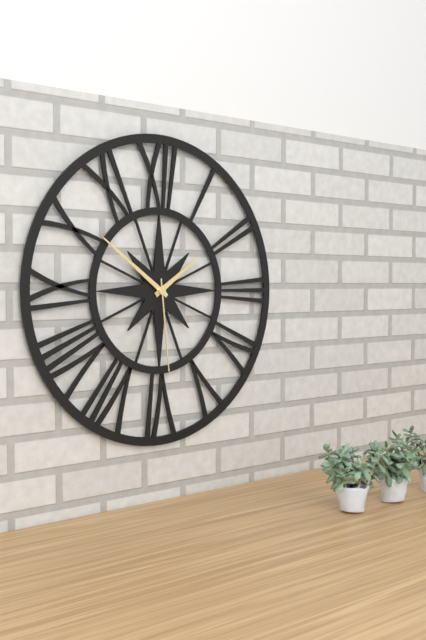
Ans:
h=1 m=51 s=29
